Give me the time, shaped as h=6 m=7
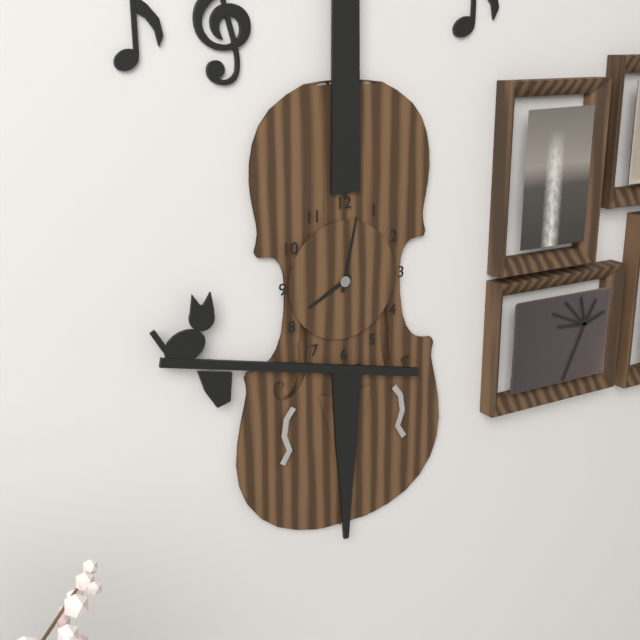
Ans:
h=8 m=2
